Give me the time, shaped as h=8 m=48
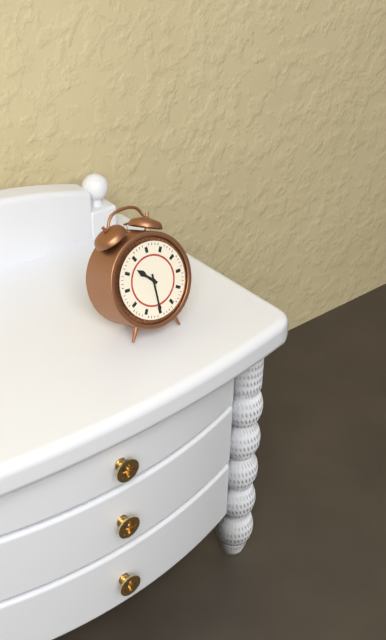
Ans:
h=10 m=30
